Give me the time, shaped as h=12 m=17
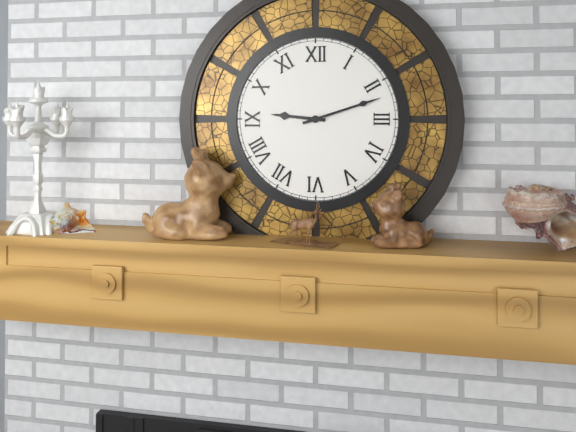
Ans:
h=9 m=12
